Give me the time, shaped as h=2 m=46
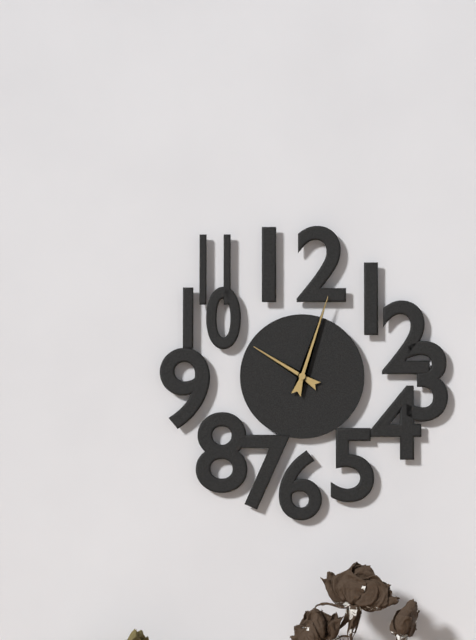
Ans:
h=10 m=3
